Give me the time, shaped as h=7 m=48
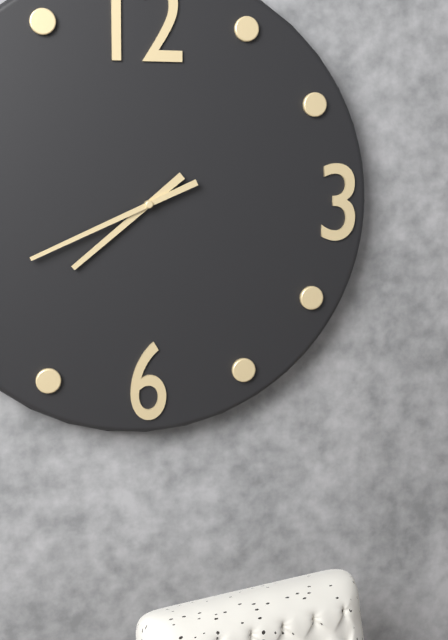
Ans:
h=7 m=41
